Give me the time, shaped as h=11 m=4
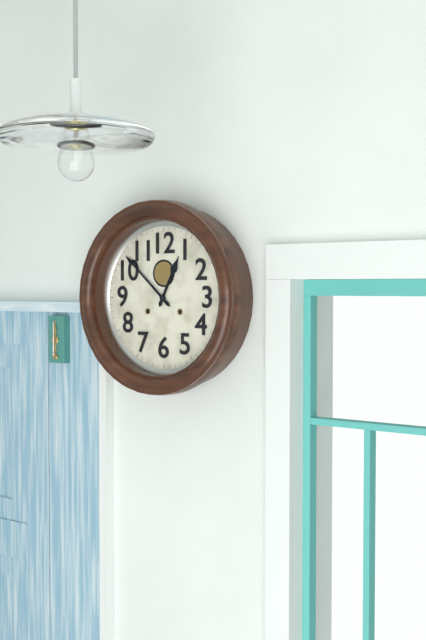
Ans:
h=12 m=52
